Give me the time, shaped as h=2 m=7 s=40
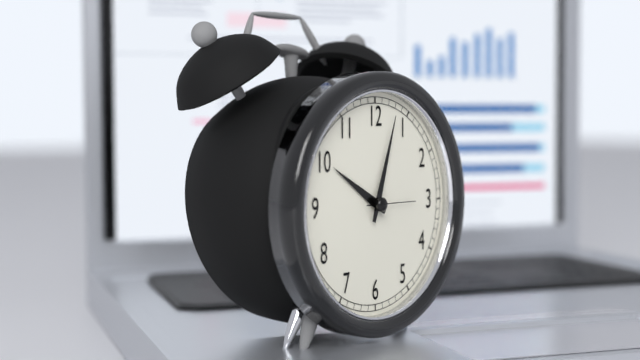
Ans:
h=10 m=3 s=15
